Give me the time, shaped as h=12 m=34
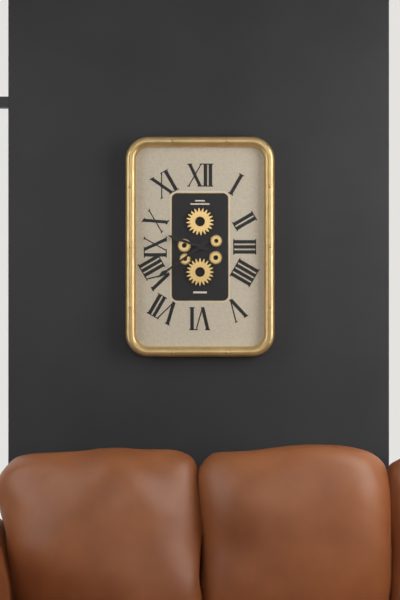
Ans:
h=9 m=39
